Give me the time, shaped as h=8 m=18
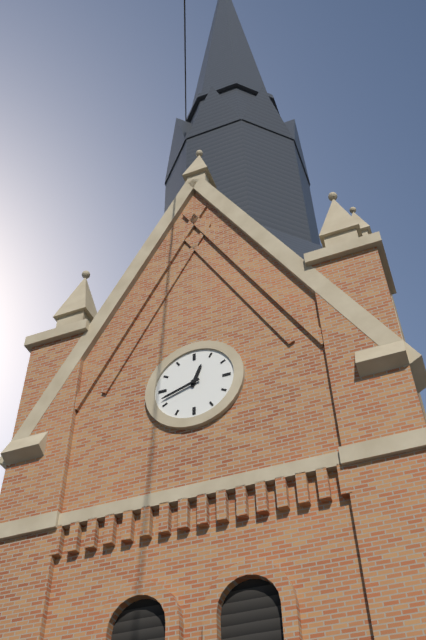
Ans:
h=12 m=42
